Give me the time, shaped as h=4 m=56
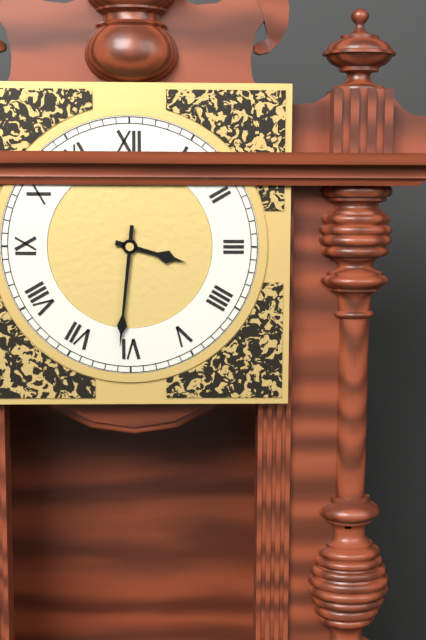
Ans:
h=3 m=31
